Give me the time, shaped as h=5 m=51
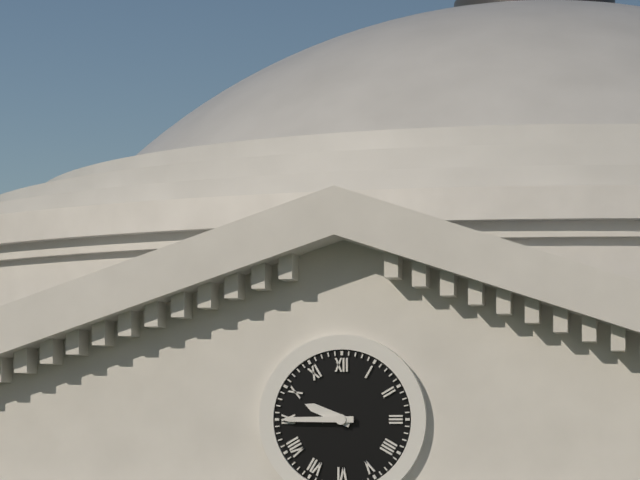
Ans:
h=9 m=45
